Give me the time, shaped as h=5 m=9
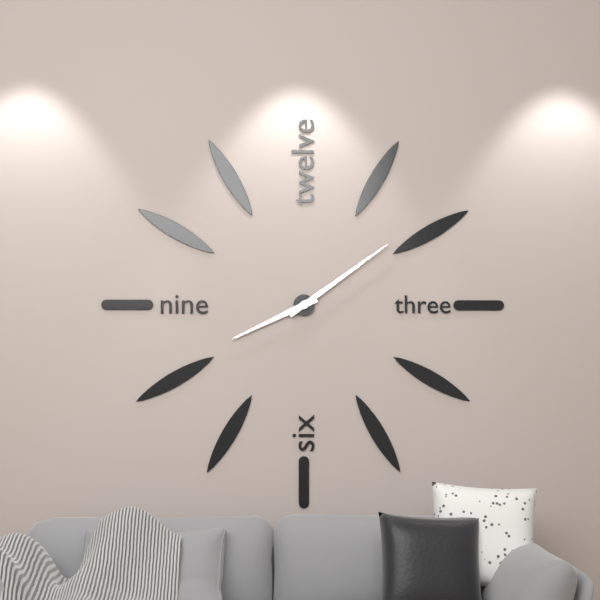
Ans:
h=8 m=9
